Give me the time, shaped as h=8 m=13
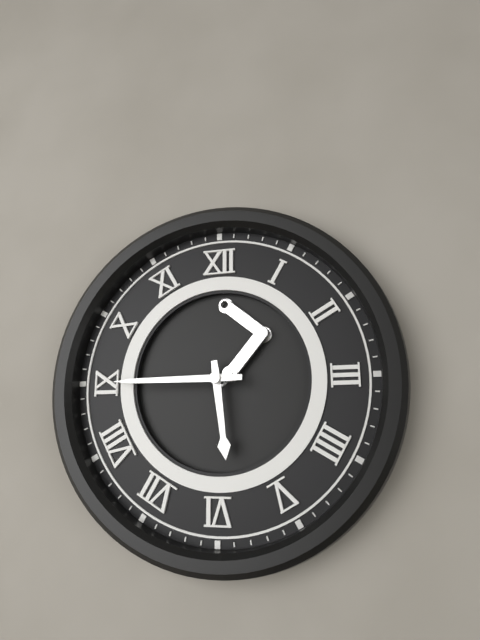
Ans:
h=5 m=45
